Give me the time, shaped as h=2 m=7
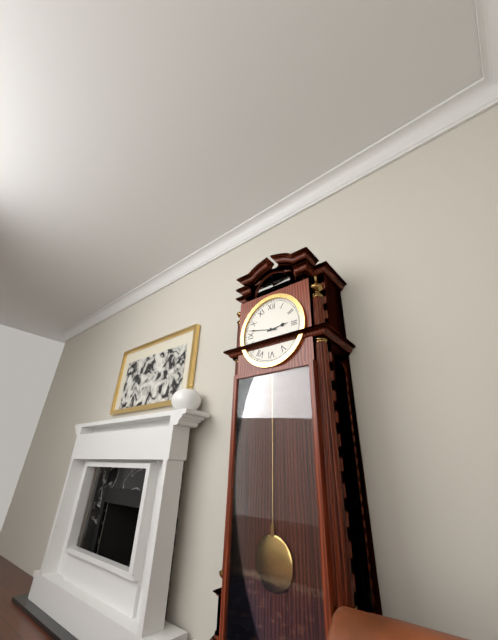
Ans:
h=2 m=47
